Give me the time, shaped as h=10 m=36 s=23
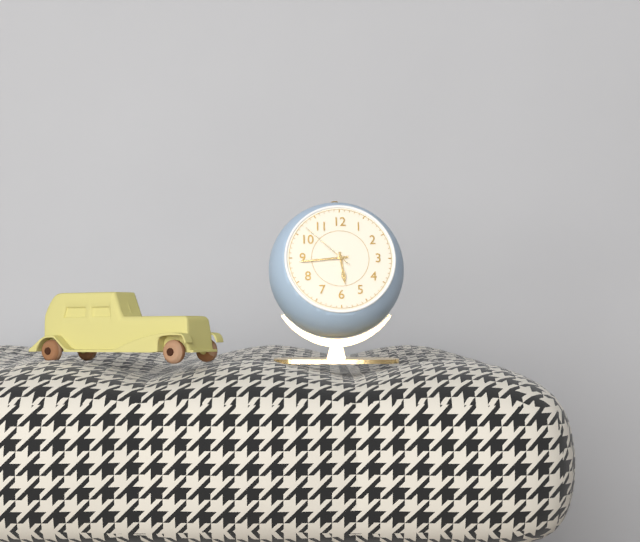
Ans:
h=5 m=44 s=52
